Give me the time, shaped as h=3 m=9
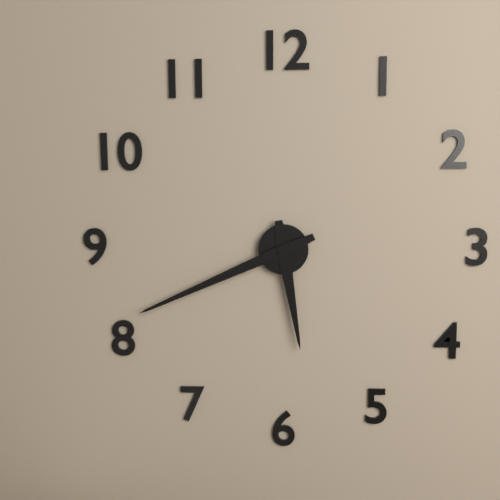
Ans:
h=5 m=41
